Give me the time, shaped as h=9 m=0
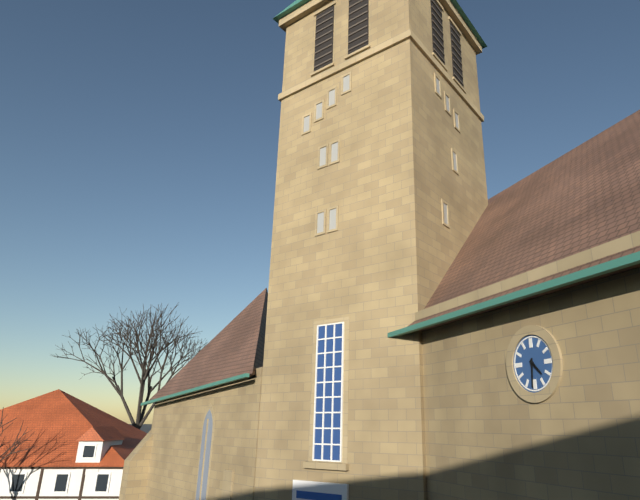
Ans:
h=4 m=31
